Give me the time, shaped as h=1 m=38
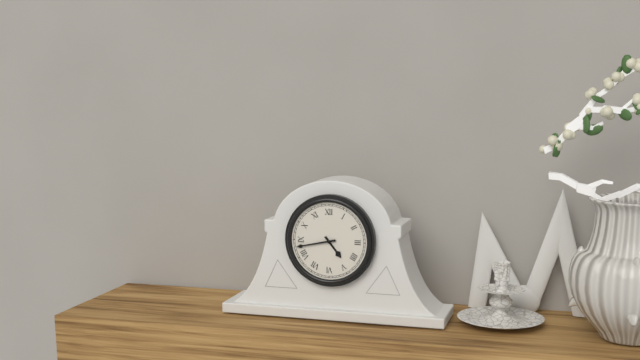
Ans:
h=4 m=43
